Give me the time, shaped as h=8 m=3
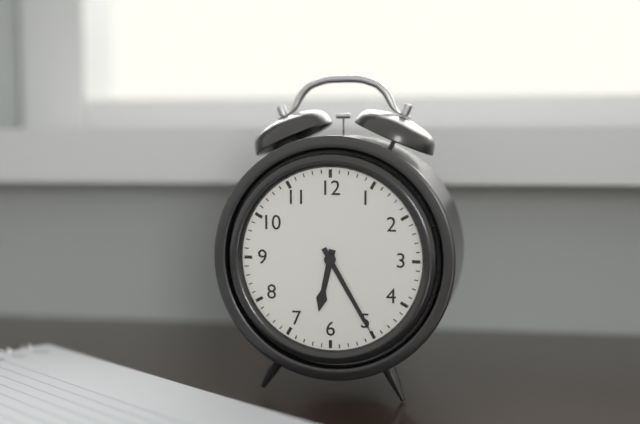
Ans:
h=6 m=25
